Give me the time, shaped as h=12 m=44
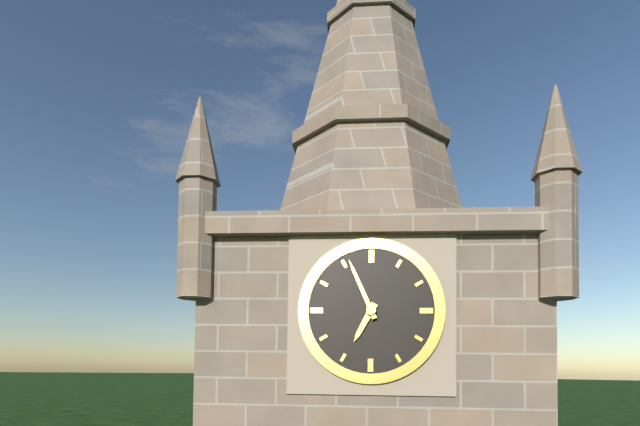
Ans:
h=6 m=56
